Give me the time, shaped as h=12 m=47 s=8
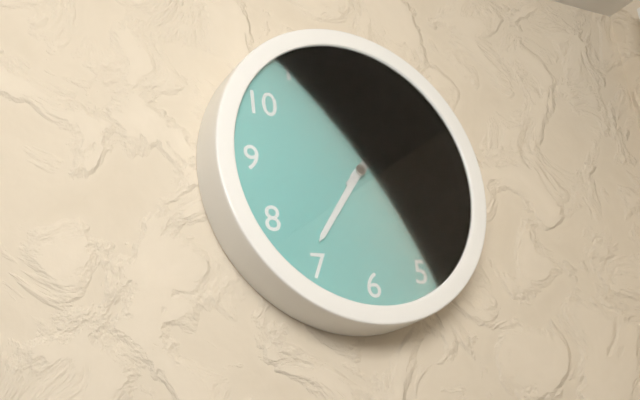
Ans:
h=1 m=36 s=8
